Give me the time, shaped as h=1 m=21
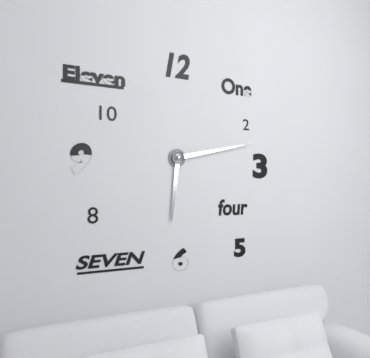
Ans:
h=6 m=13
